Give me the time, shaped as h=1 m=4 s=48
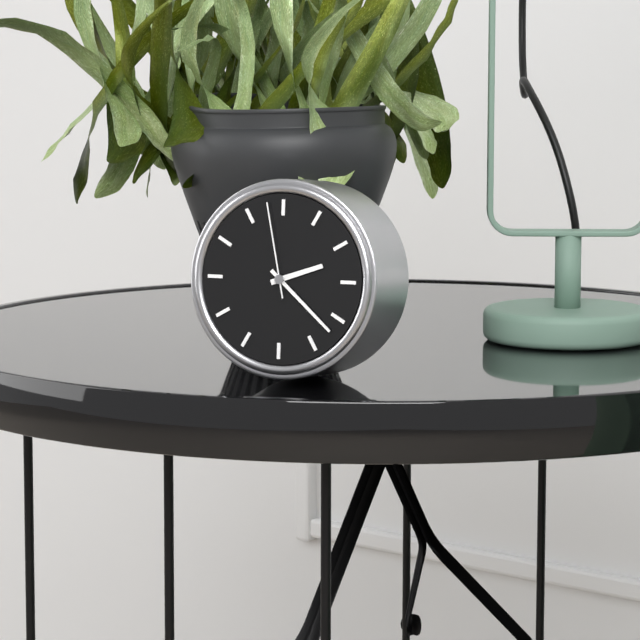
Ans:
h=2 m=22 s=58
